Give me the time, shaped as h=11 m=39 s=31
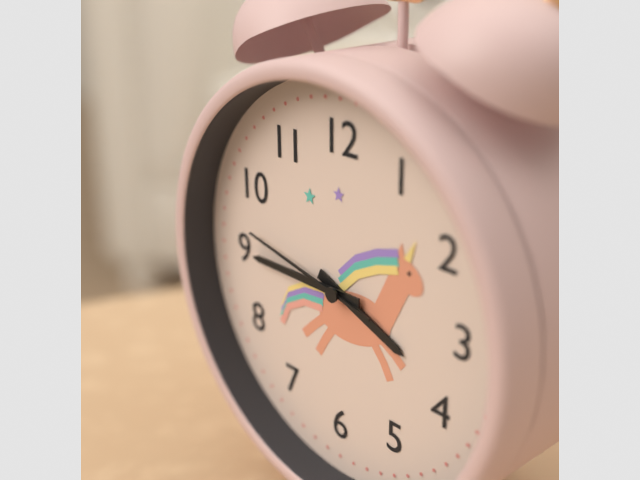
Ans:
h=3 m=45 s=47
